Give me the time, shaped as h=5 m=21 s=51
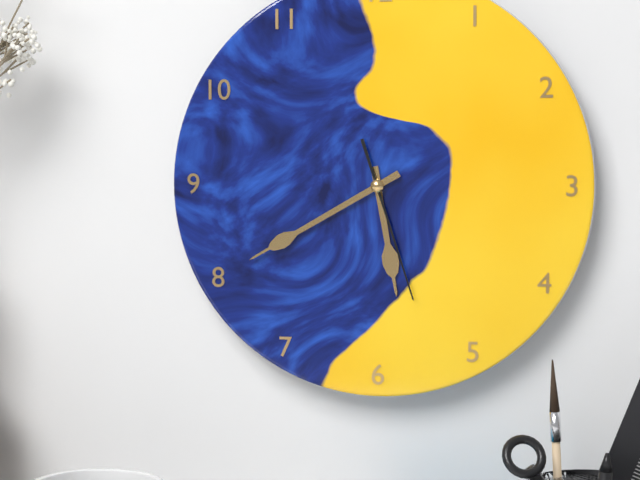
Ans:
h=5 m=40 s=27
